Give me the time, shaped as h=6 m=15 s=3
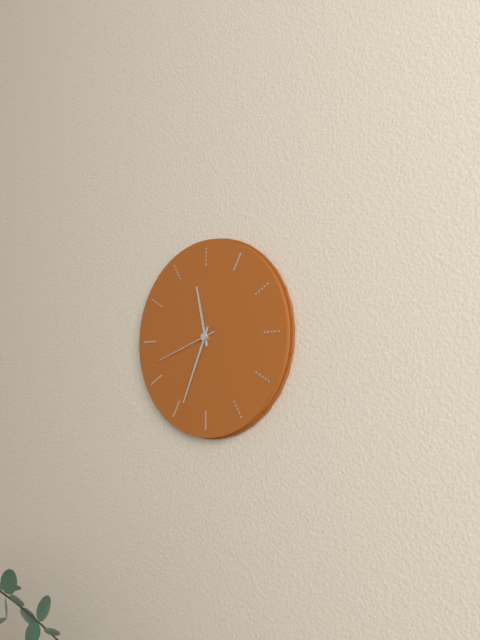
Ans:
h=11 m=34 s=42
